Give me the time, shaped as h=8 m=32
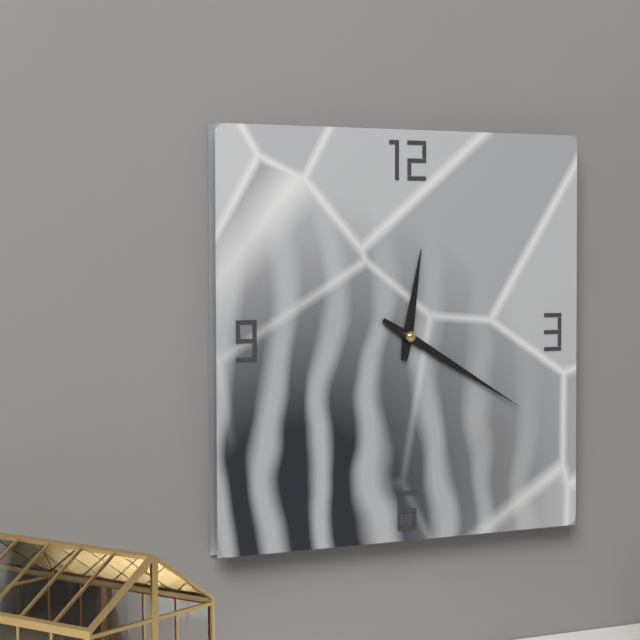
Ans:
h=12 m=20
